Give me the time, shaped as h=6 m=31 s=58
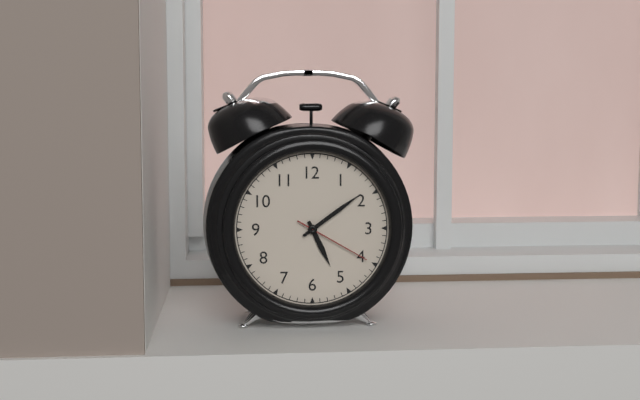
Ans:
h=5 m=9 s=20
